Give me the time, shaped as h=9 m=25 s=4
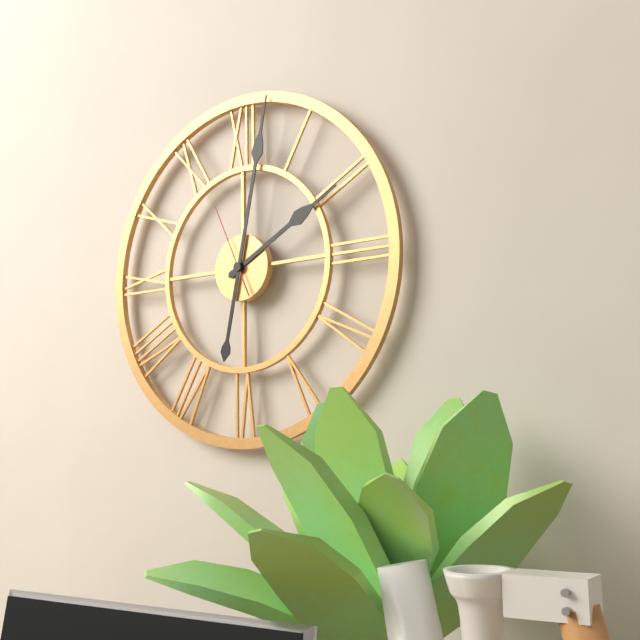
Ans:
h=2 m=2 s=56
